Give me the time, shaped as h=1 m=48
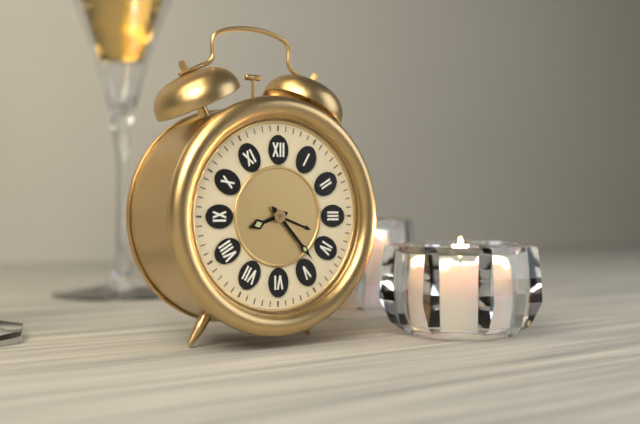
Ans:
h=8 m=23
